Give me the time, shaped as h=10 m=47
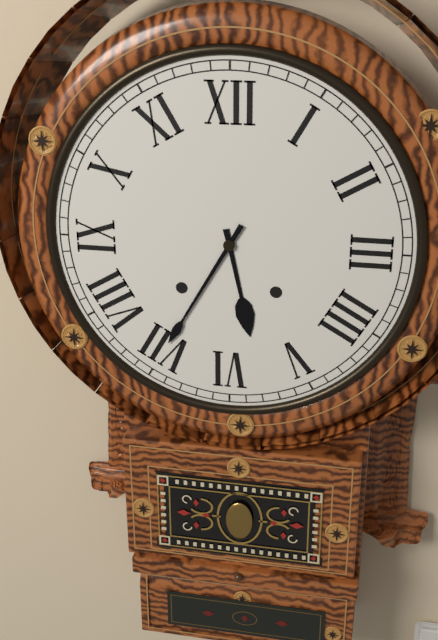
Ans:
h=5 m=35
